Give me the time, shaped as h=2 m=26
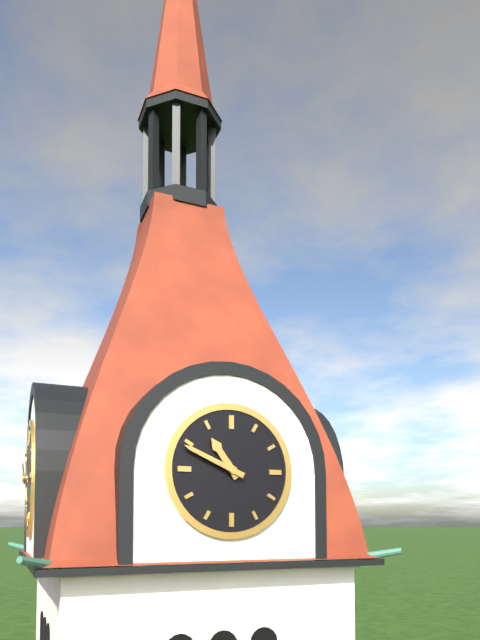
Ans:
h=10 m=49
